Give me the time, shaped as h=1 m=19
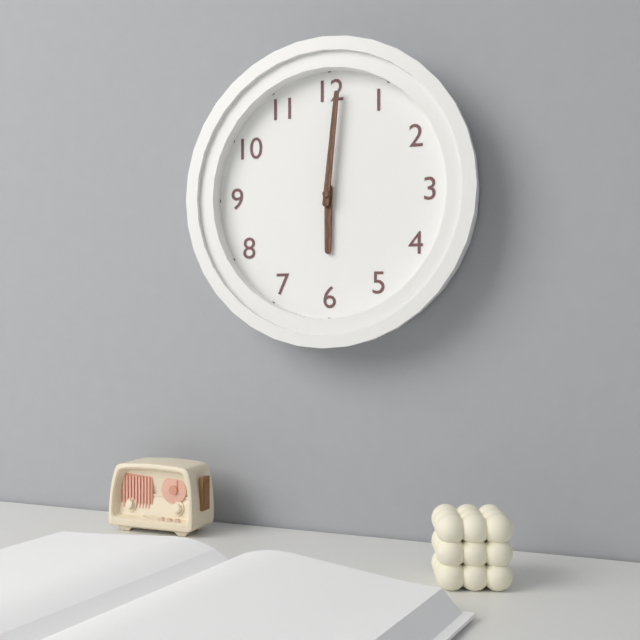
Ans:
h=6 m=1
